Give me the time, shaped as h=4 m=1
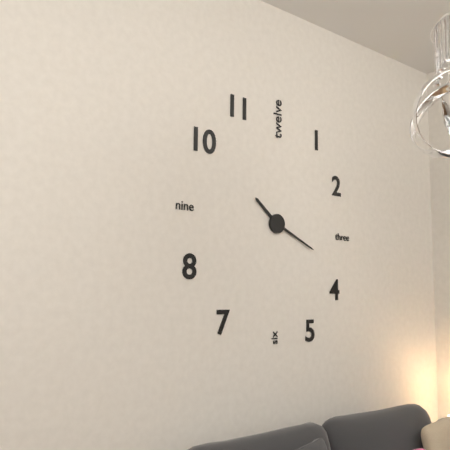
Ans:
h=10 m=19
